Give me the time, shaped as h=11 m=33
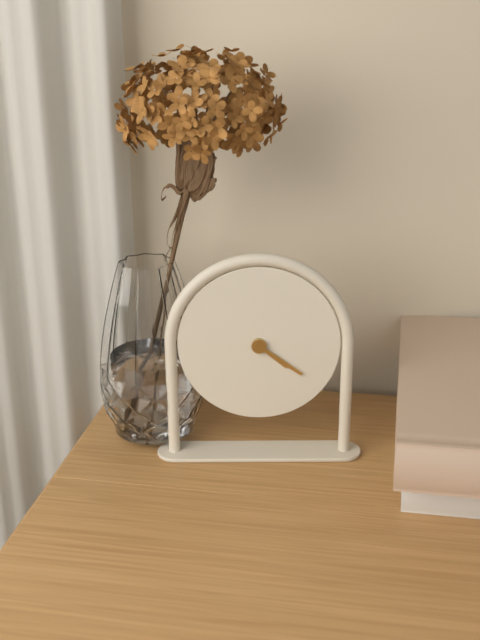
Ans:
h=4 m=21
